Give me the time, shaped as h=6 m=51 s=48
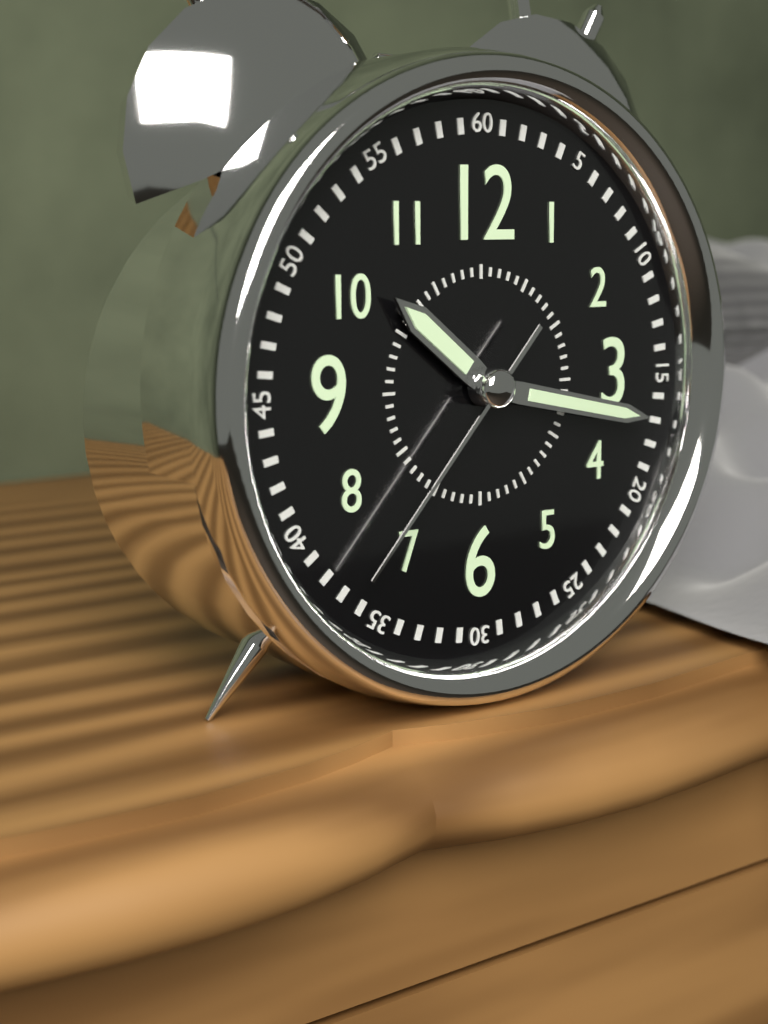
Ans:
h=10 m=17 s=37
